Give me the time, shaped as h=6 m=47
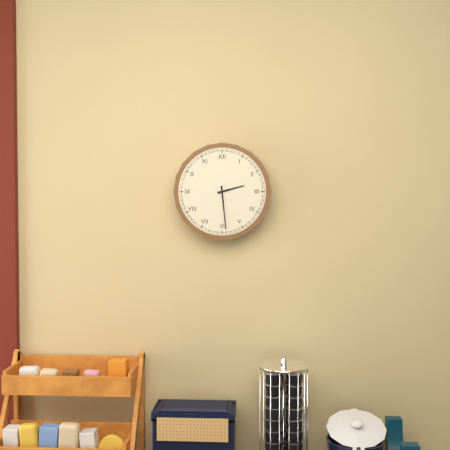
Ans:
h=2 m=29
